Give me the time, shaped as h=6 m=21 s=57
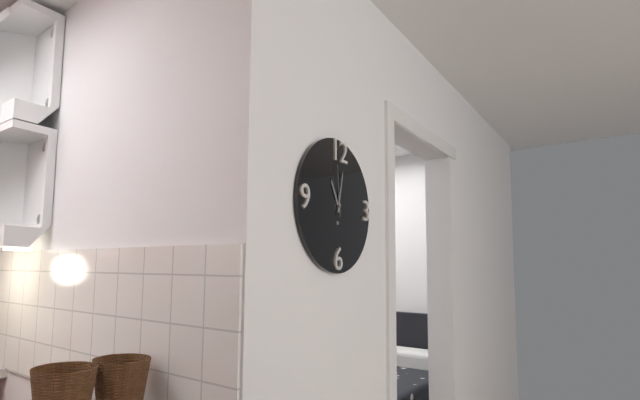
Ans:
h=11 m=2 s=59
